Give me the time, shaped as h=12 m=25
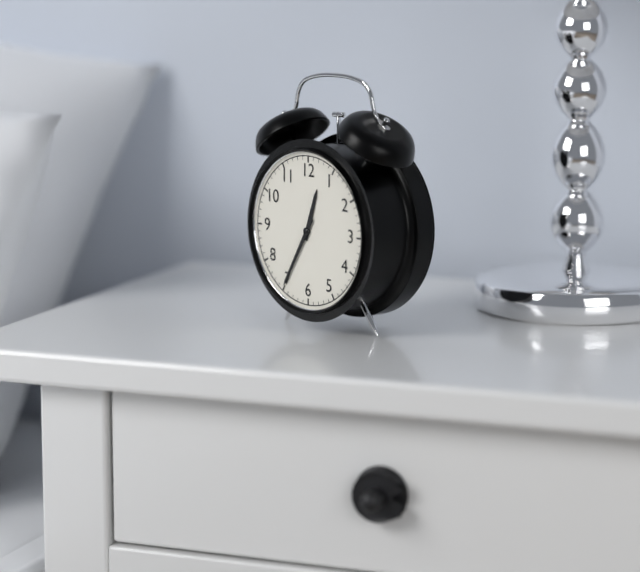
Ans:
h=12 m=35
